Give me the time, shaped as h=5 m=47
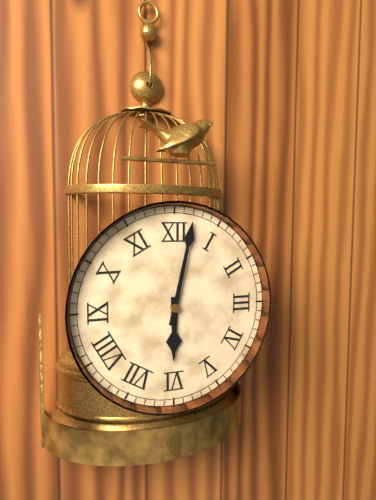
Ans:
h=6 m=2
